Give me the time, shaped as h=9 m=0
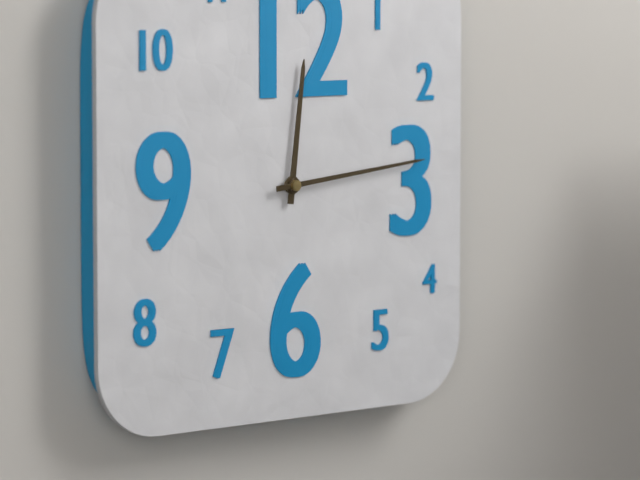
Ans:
h=12 m=14
